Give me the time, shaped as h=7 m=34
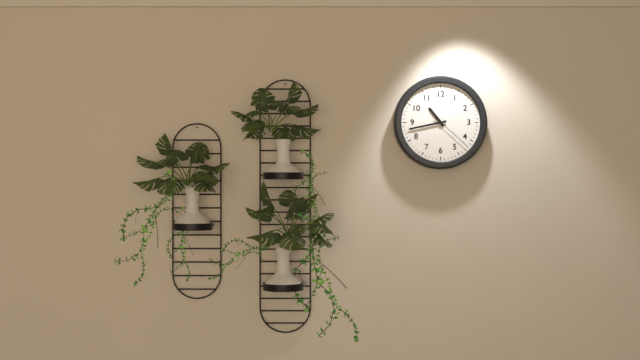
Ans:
h=10 m=43
